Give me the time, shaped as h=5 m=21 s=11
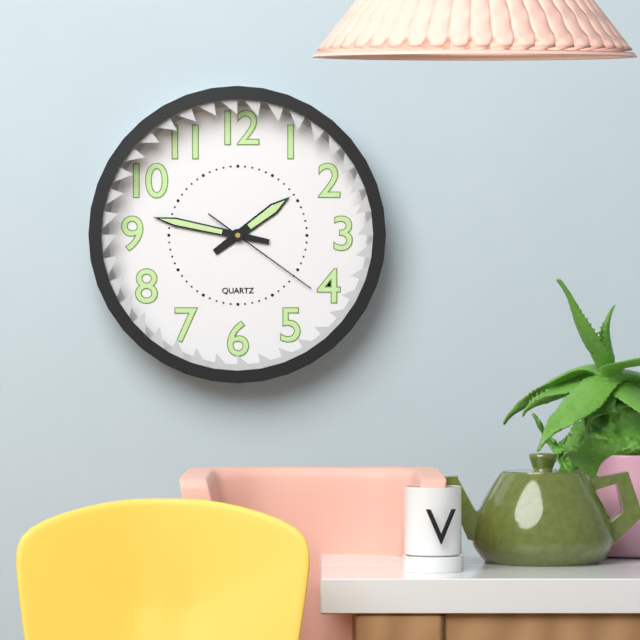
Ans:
h=1 m=47 s=21
